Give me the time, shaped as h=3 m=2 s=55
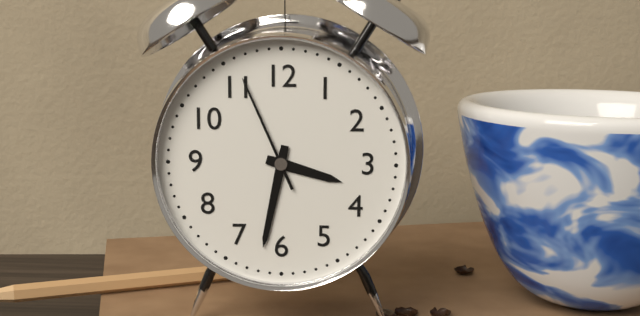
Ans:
h=3 m=32 s=56
